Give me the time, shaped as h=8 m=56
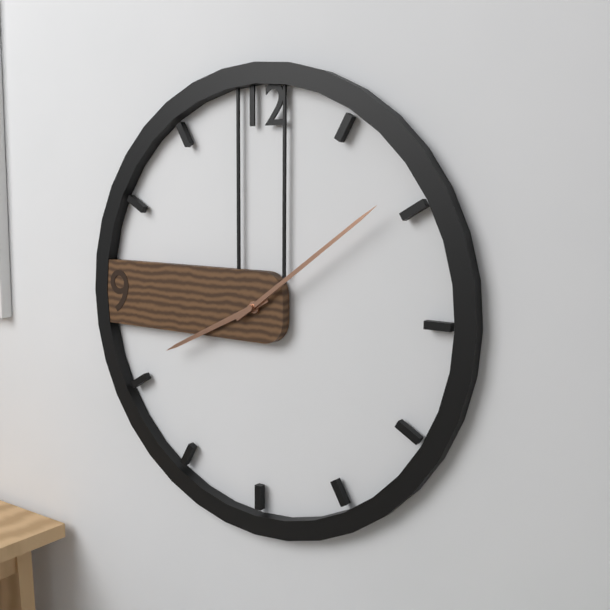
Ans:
h=8 m=9
